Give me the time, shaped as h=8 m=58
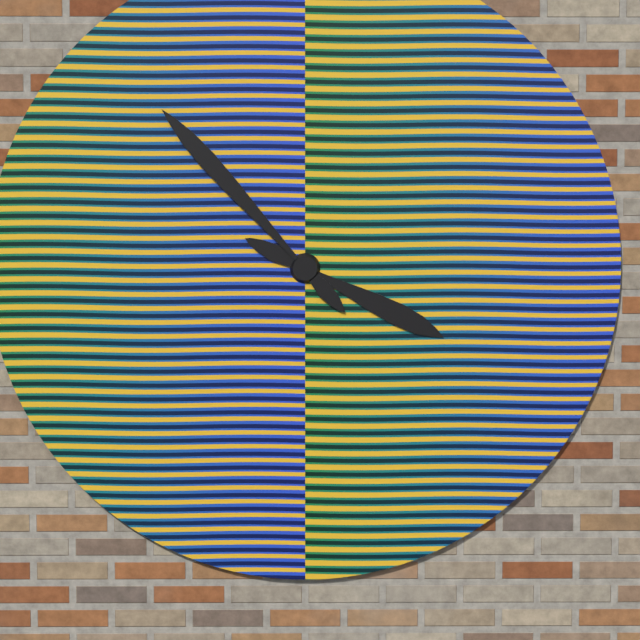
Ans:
h=3 m=53
